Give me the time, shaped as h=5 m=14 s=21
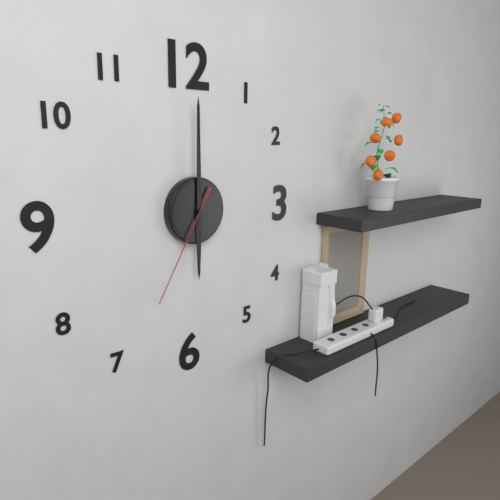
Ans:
h=6 m=0 s=35
